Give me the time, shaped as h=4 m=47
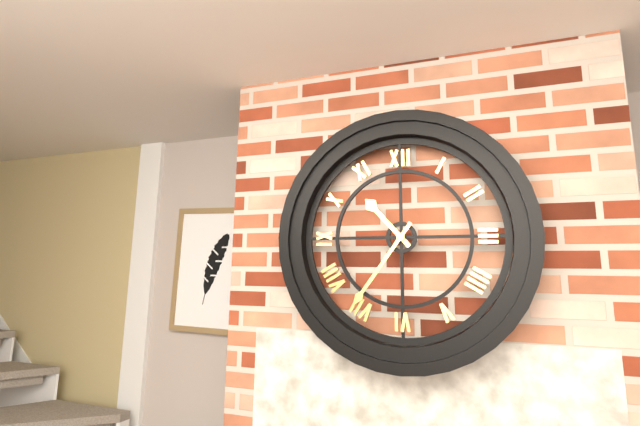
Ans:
h=10 m=36
